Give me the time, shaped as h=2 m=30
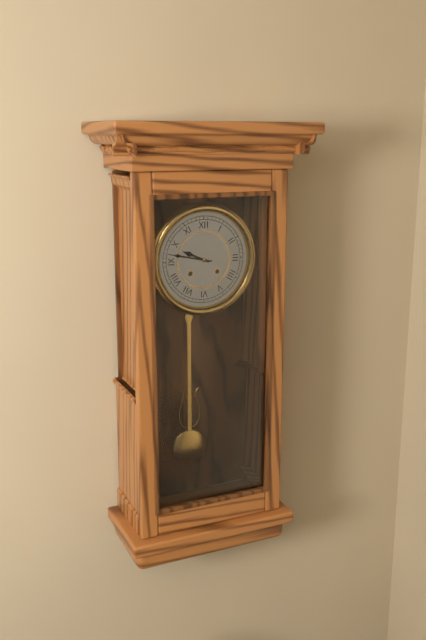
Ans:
h=9 m=47
